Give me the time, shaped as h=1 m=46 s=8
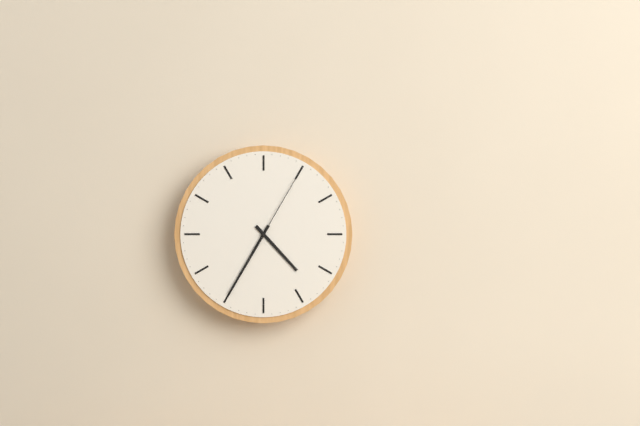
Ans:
h=4 m=35 s=5
